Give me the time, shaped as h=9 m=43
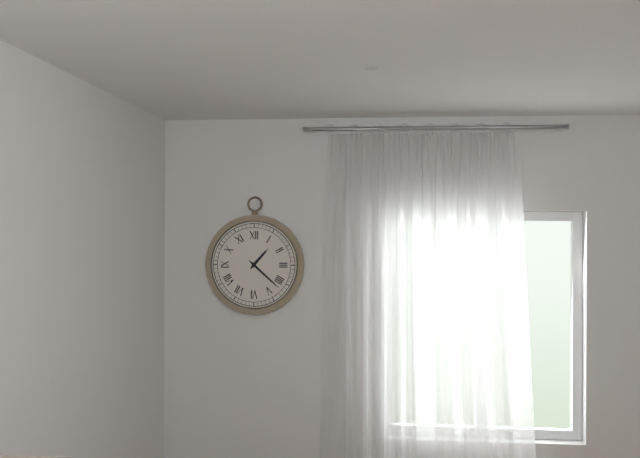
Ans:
h=1 m=22
